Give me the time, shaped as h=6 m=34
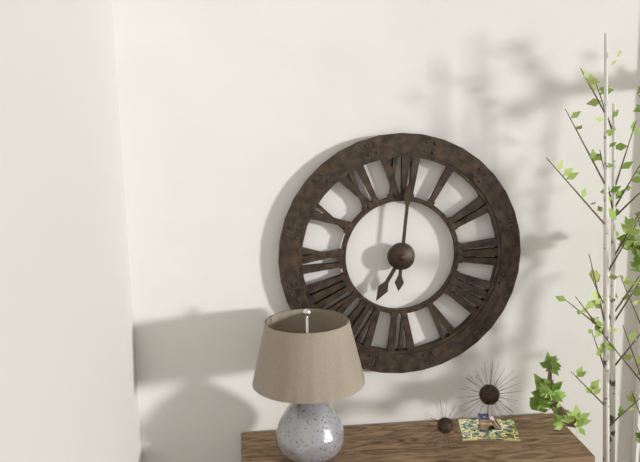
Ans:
h=7 m=1
